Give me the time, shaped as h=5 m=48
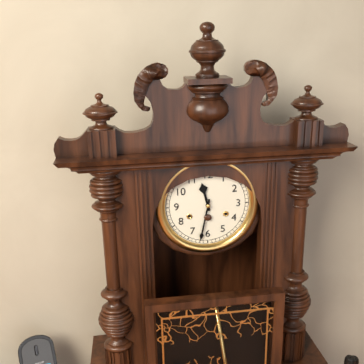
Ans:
h=11 m=32
